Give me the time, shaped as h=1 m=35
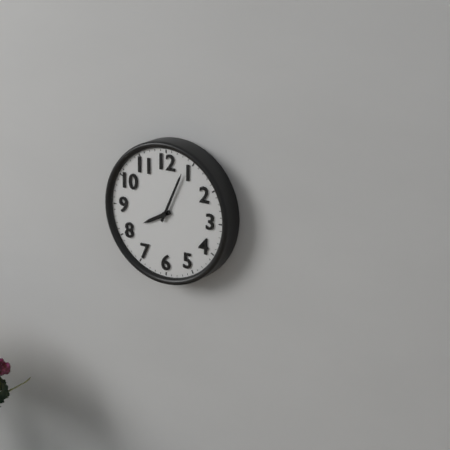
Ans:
h=8 m=4
